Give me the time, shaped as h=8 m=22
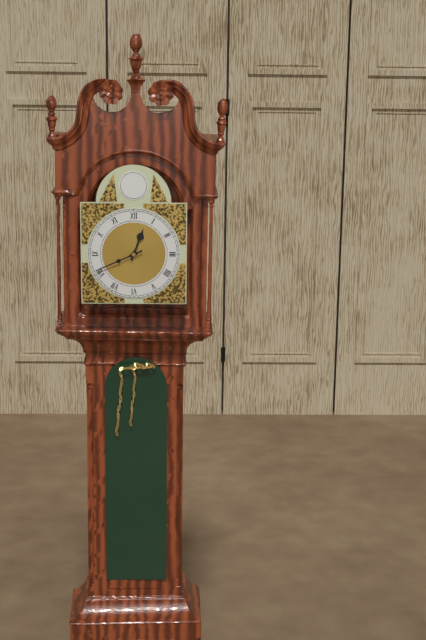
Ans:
h=12 m=41
